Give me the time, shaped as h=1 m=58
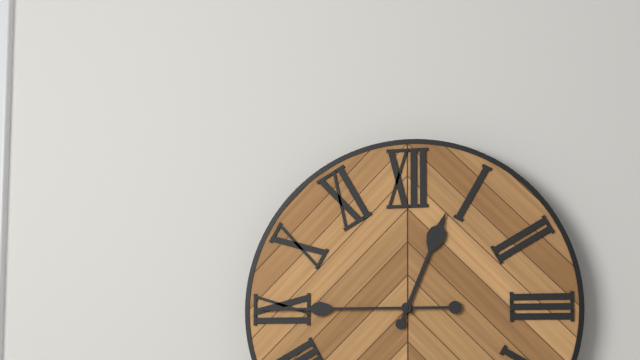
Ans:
h=12 m=45
